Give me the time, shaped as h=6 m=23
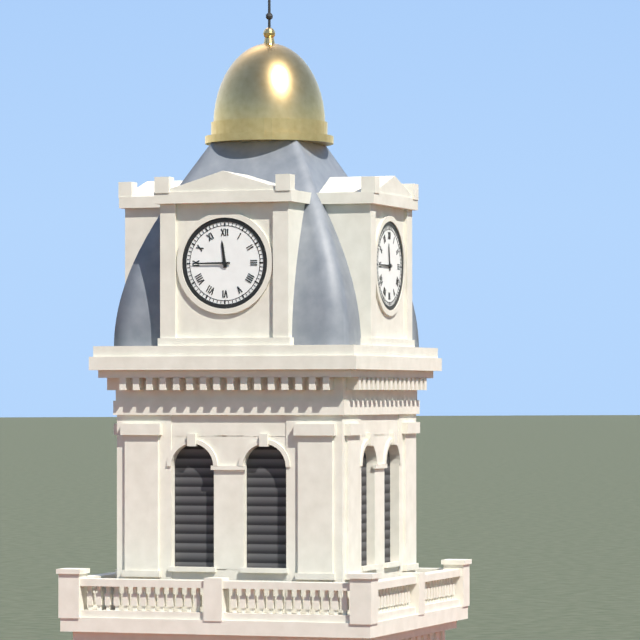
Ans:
h=11 m=45
